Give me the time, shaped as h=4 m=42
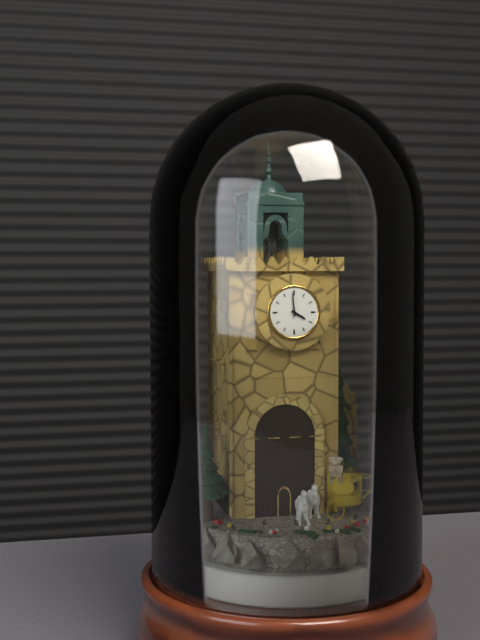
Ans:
h=3 m=59
